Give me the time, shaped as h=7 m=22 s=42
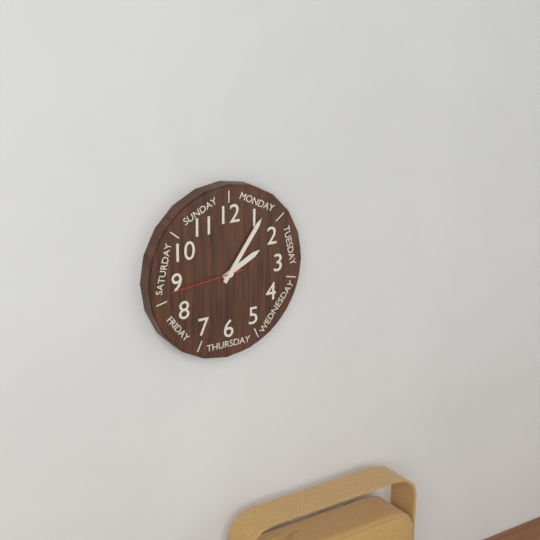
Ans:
h=2 m=6 s=44
